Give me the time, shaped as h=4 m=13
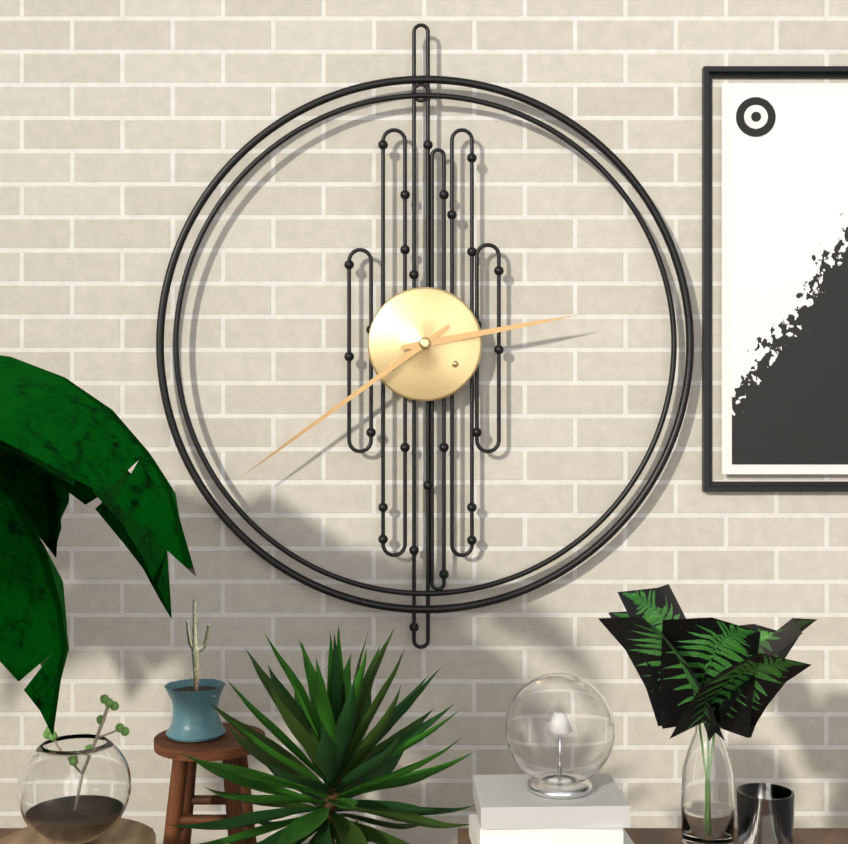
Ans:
h=2 m=39
